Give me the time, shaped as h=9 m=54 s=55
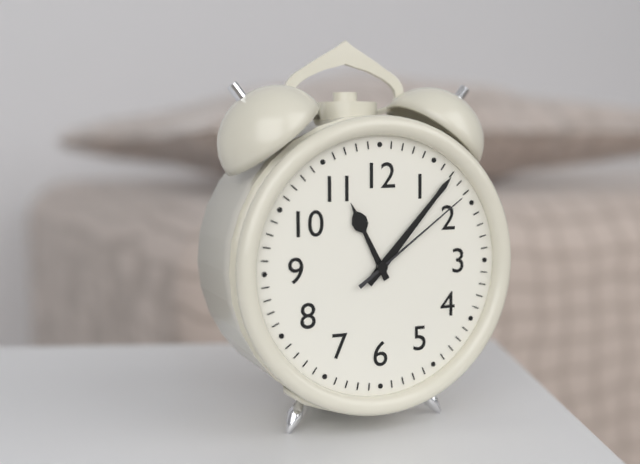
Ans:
h=11 m=7 s=9
